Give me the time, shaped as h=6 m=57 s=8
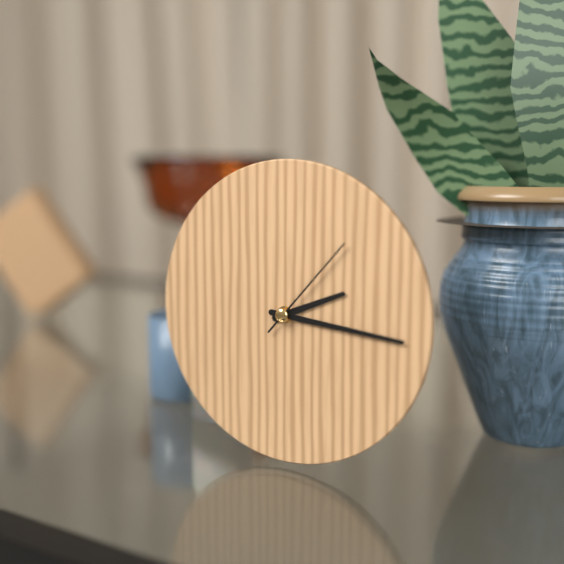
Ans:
h=2 m=16 s=7
